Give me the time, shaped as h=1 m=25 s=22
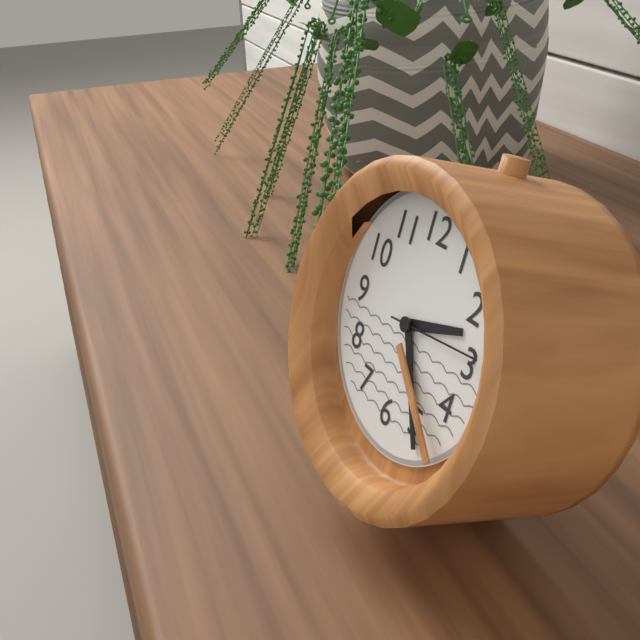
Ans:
h=2 m=25 s=14
